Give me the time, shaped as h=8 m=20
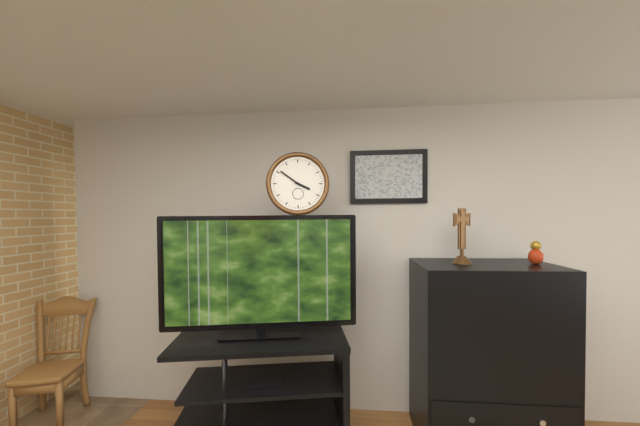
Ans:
h=3 m=51
